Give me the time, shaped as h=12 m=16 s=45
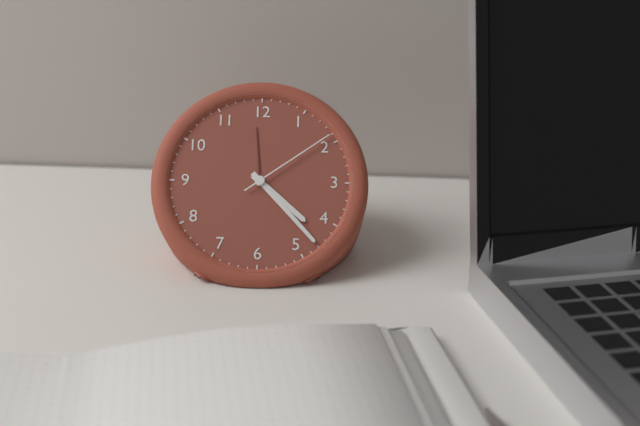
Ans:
h=4 m=23 s=9
